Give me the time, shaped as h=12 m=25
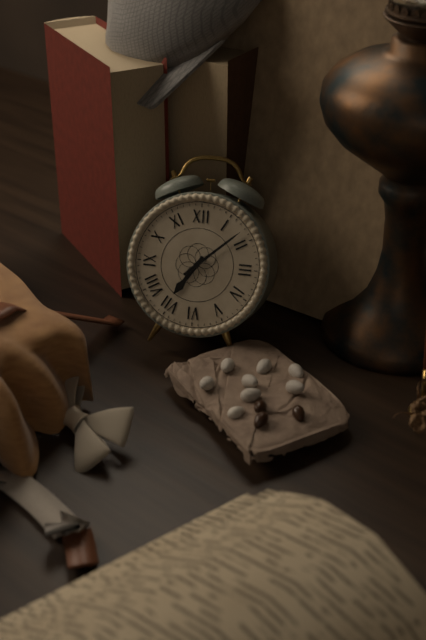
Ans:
h=7 m=8
